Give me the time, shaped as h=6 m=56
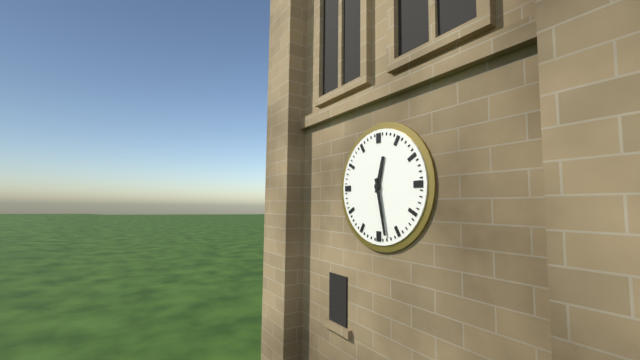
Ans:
h=12 m=28
